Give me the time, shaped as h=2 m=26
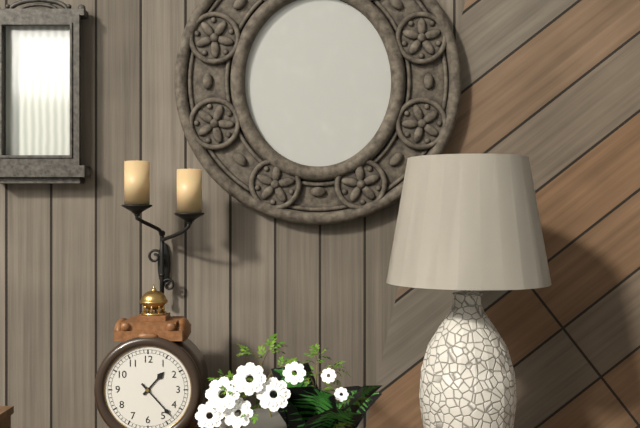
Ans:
h=1 m=23
